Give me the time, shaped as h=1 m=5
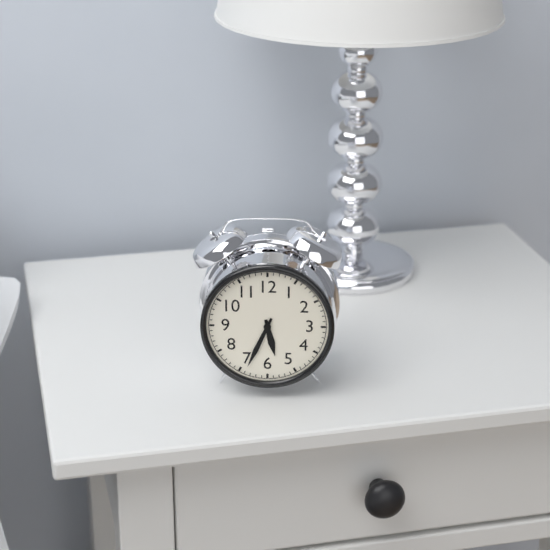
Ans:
h=5 m=34
